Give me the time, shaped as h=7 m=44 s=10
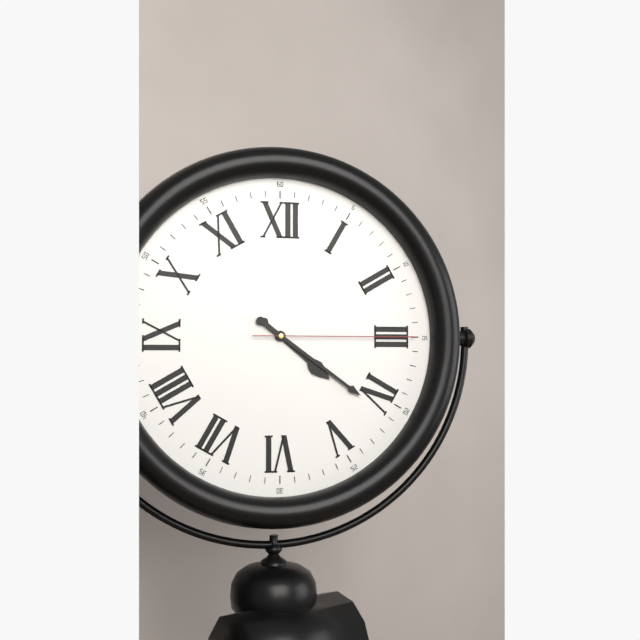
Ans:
h=4 m=21 s=15
